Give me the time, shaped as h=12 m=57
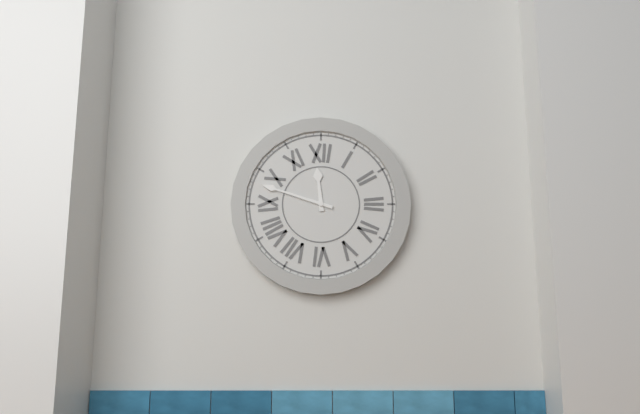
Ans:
h=11 m=48
